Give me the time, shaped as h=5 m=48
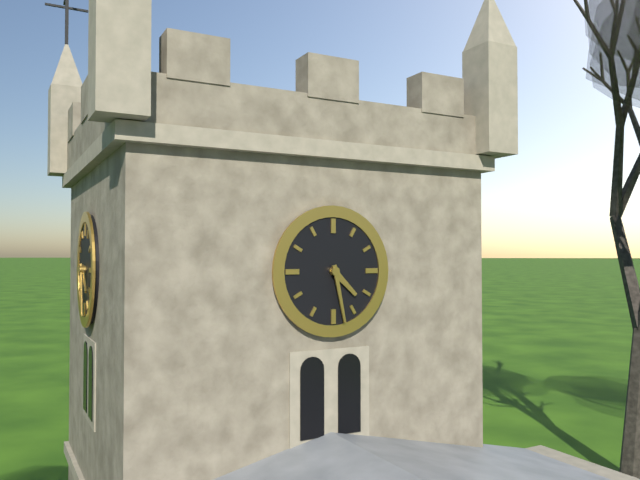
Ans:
h=4 m=28
